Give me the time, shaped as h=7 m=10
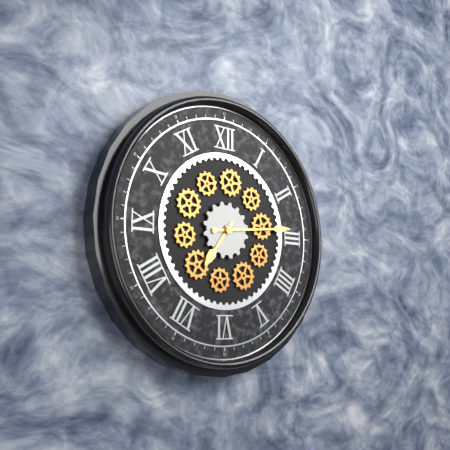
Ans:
h=7 m=14
